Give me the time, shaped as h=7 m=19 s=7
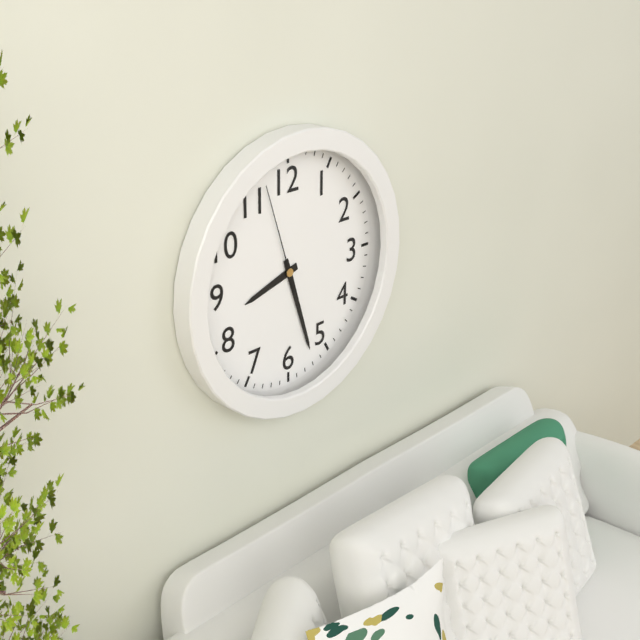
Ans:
h=8 m=27 s=57
